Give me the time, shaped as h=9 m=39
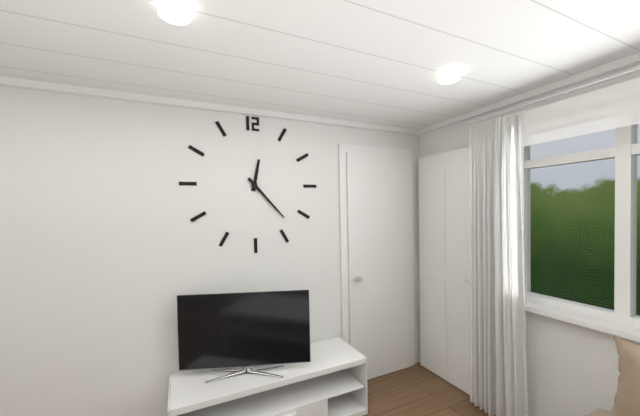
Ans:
h=12 m=23
